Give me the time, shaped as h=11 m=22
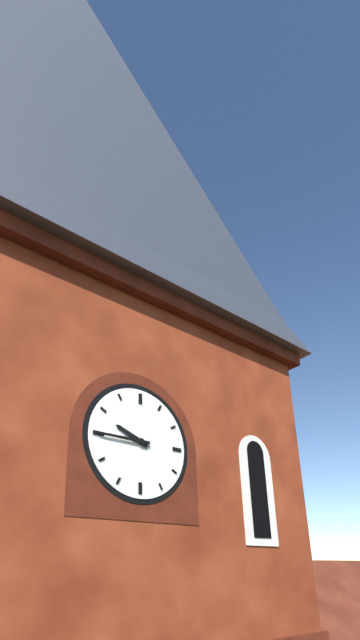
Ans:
h=9 m=45
